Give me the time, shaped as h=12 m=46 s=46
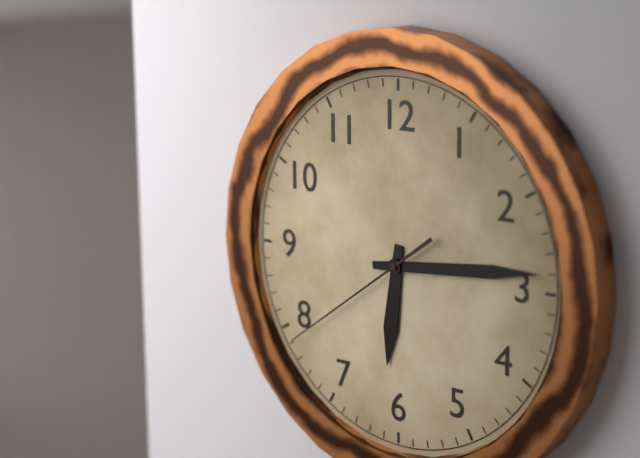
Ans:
h=6 m=14 s=39
